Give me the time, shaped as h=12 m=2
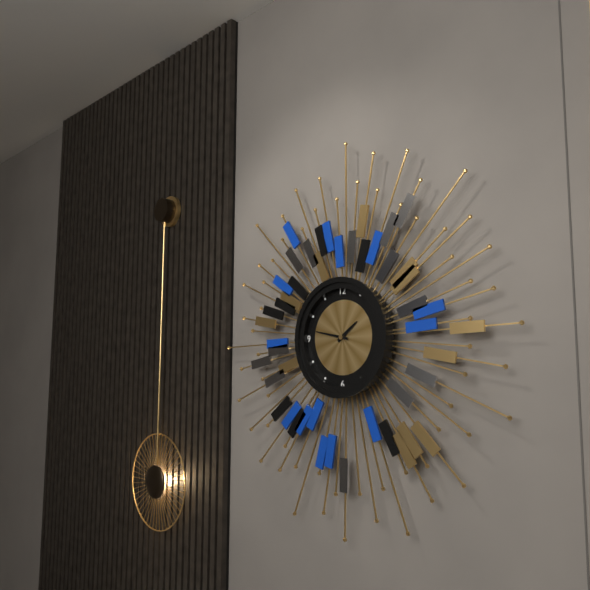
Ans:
h=1 m=47
